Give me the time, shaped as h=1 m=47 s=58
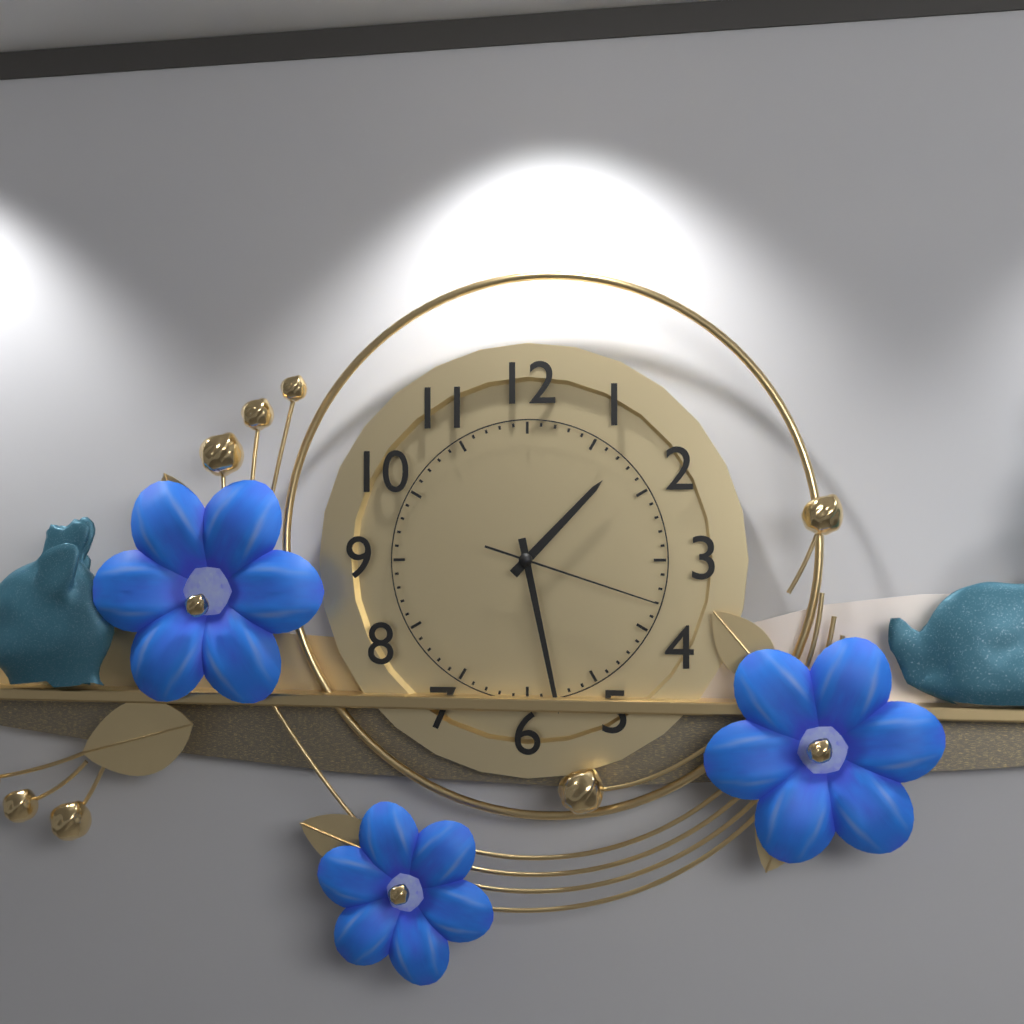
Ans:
h=1 m=28 s=18
